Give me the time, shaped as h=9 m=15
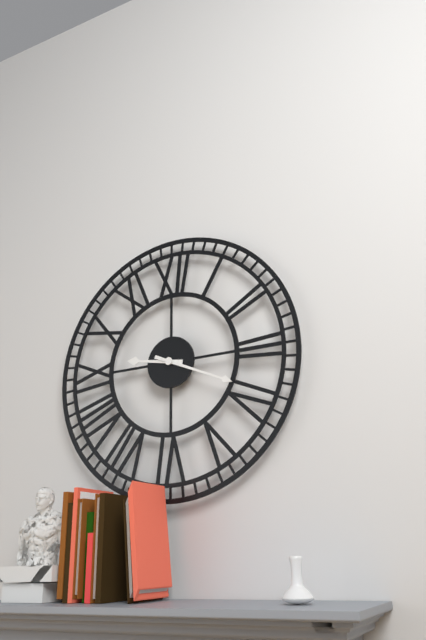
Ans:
h=9 m=19
